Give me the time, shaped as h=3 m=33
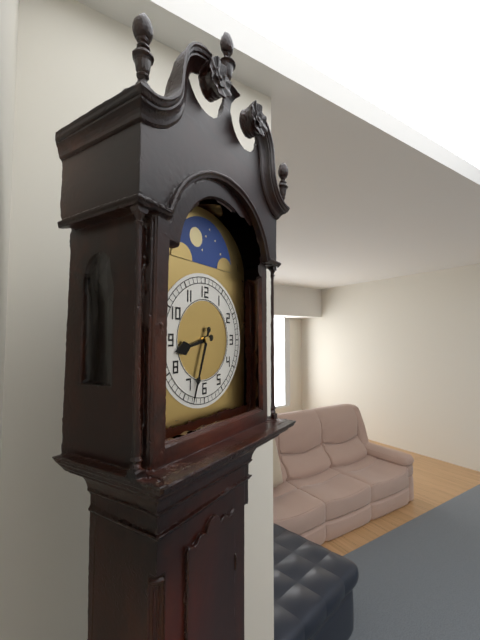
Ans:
h=8 m=33
